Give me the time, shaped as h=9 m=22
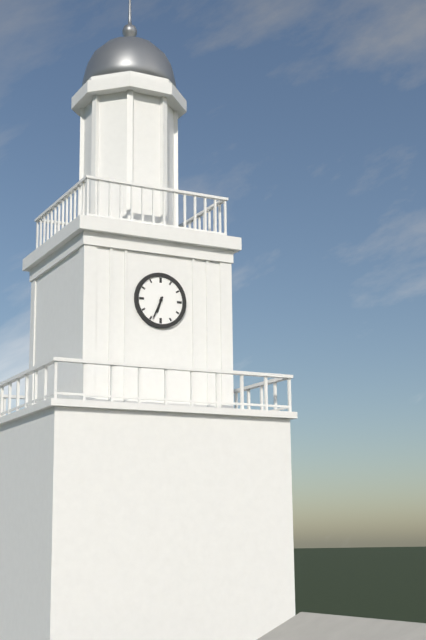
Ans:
h=6 m=34
